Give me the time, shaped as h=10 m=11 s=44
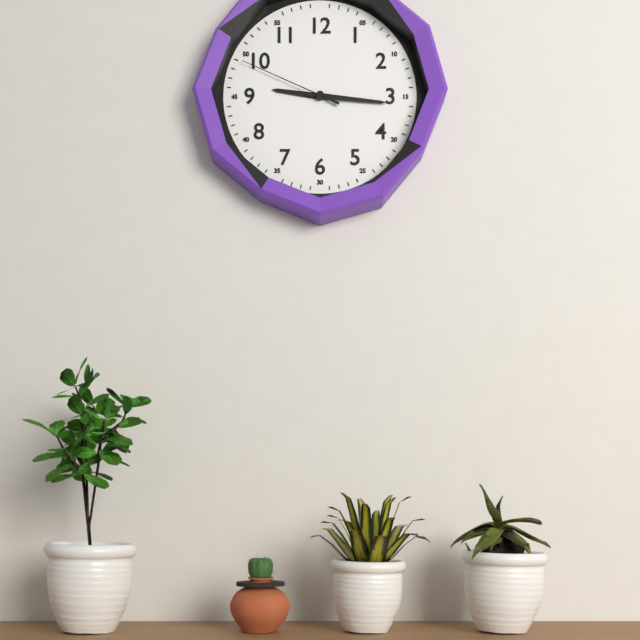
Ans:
h=9 m=16 s=49
